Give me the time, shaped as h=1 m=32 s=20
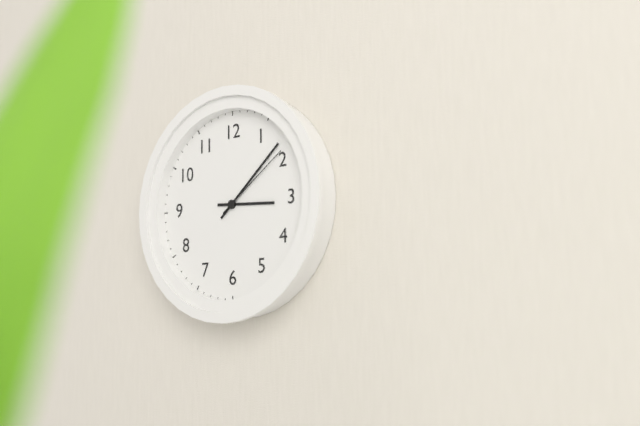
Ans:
h=3 m=8 s=9
